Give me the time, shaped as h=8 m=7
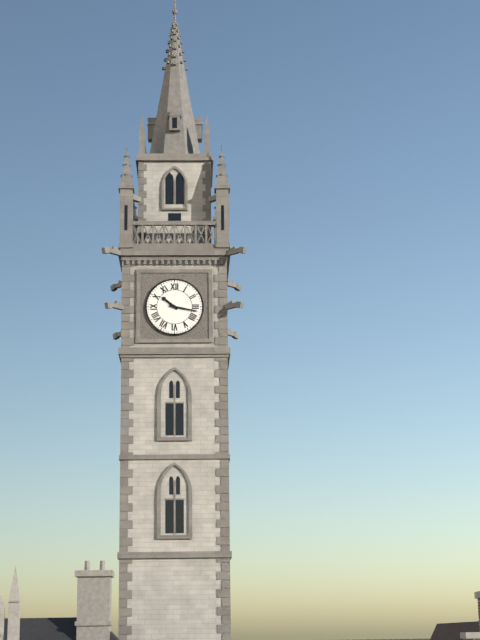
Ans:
h=10 m=17
